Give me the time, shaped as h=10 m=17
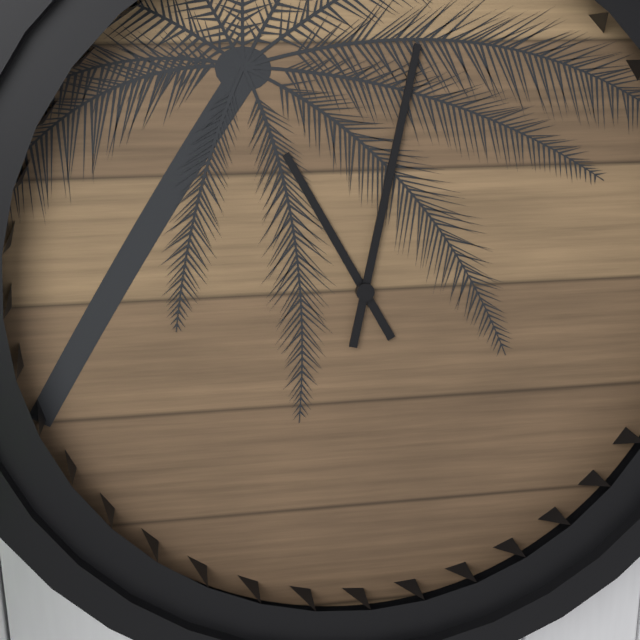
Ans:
h=11 m=2
